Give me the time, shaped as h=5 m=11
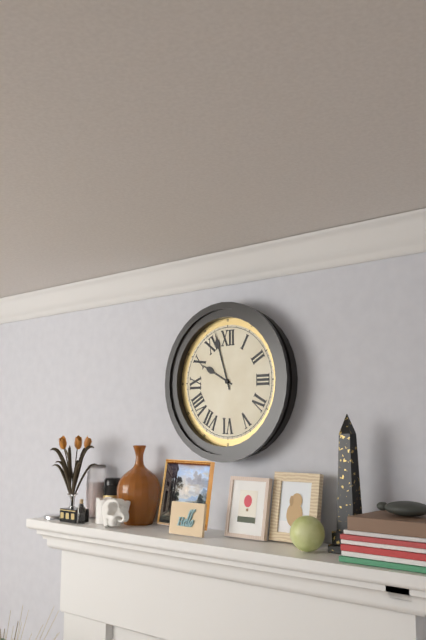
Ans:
h=9 m=57
